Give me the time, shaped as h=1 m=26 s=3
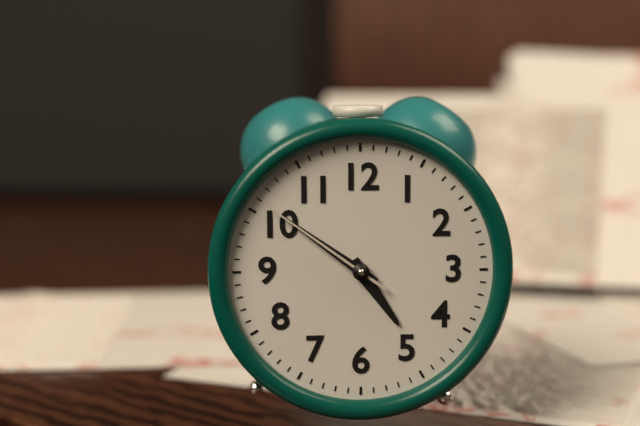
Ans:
h=4 m=51 s=51
